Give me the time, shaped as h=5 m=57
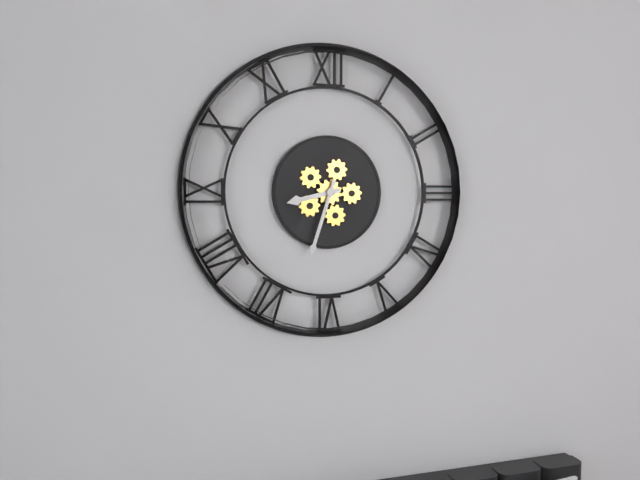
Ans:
h=8 m=33
